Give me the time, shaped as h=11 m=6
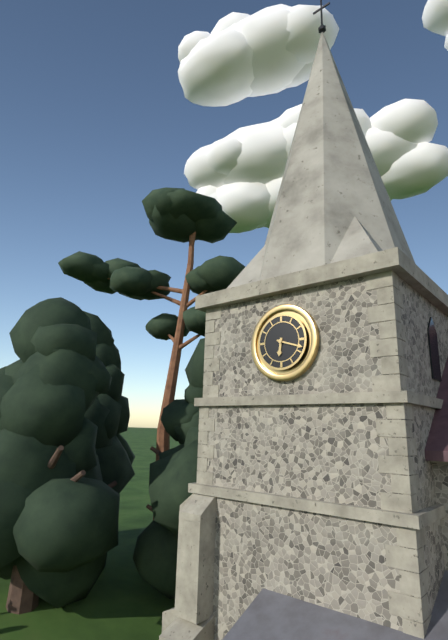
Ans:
h=6 m=18
